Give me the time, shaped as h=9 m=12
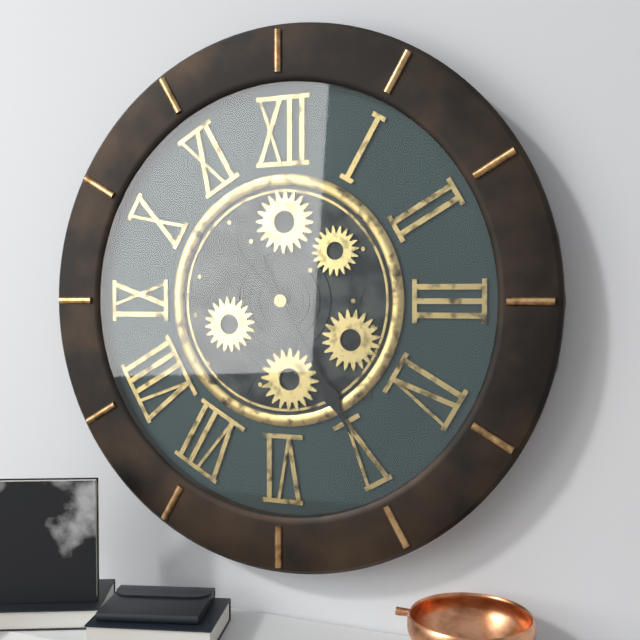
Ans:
h=10 m=25
